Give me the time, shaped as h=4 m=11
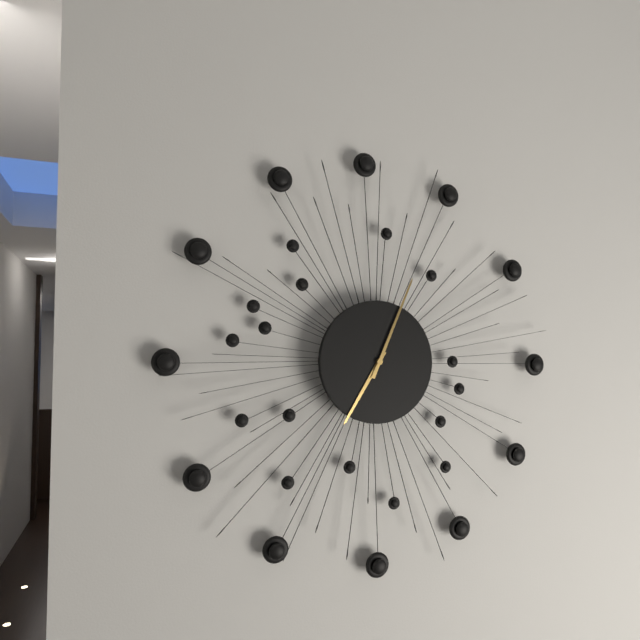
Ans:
h=7 m=4
